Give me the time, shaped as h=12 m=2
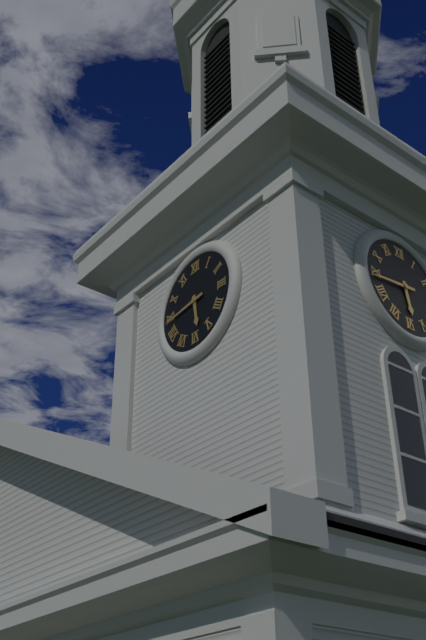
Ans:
h=5 m=44
